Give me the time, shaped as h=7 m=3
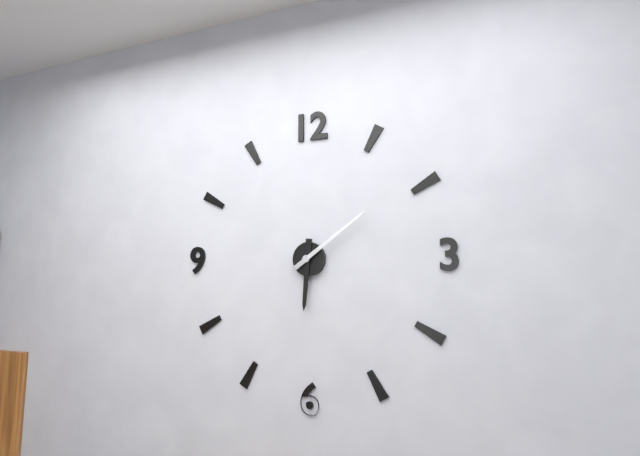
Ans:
h=6 m=9
